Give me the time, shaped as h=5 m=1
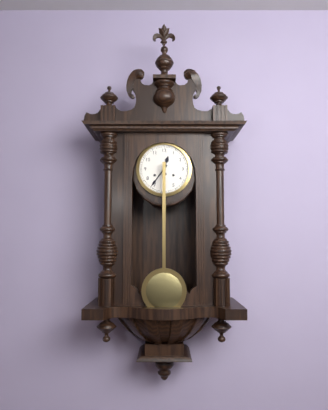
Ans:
h=12 m=36
